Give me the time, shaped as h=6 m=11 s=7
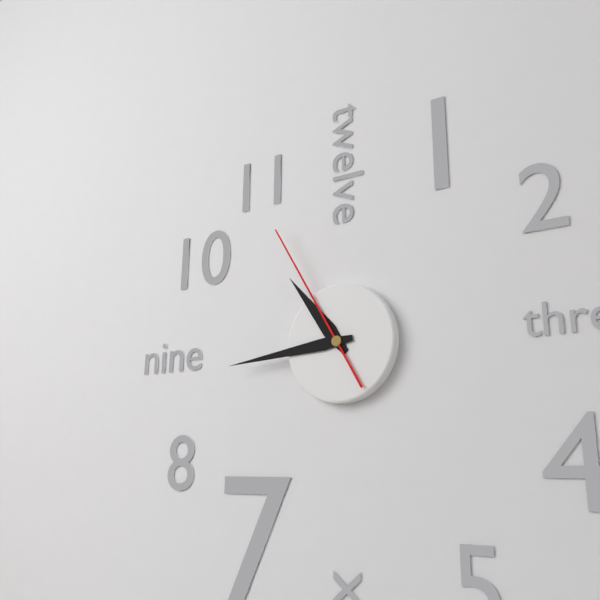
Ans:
h=10 m=44 s=55
